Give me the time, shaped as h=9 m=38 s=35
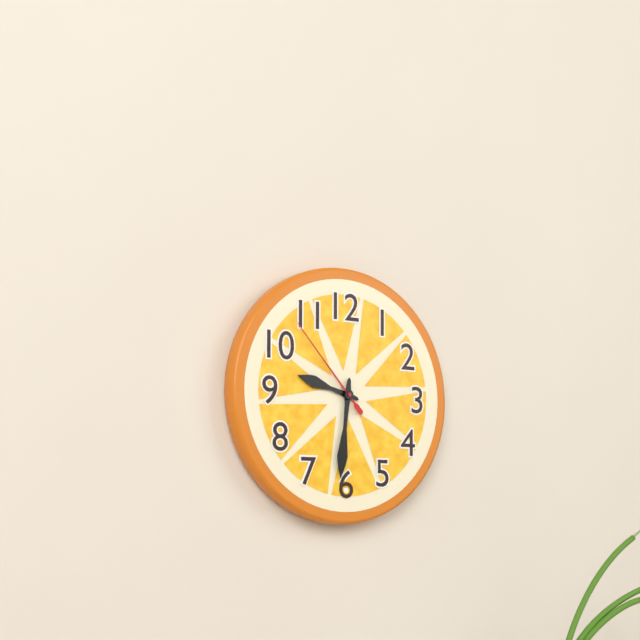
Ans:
h=9 m=31 s=53
